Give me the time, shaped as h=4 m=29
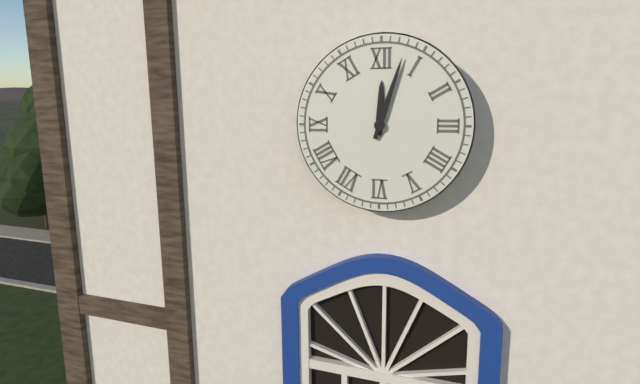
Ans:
h=12 m=3
